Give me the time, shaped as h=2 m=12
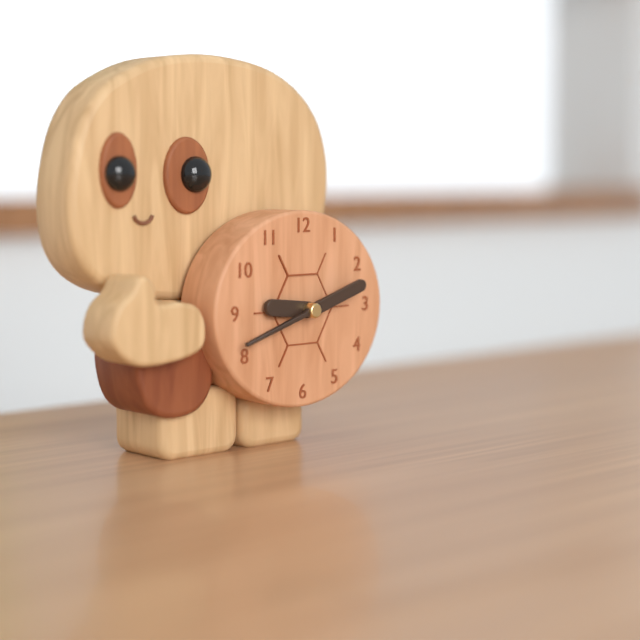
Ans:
h=9 m=12
